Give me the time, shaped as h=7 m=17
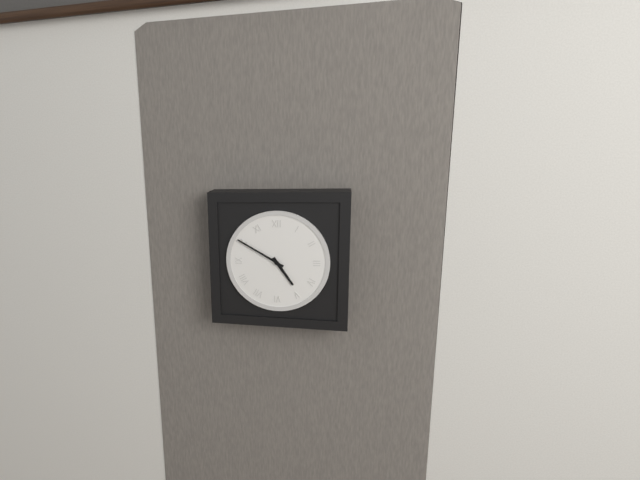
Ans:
h=4 m=50
